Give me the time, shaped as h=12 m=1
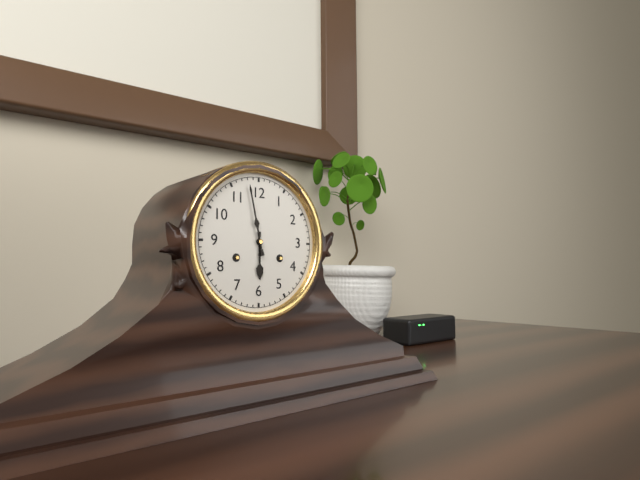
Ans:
h=5 m=58
